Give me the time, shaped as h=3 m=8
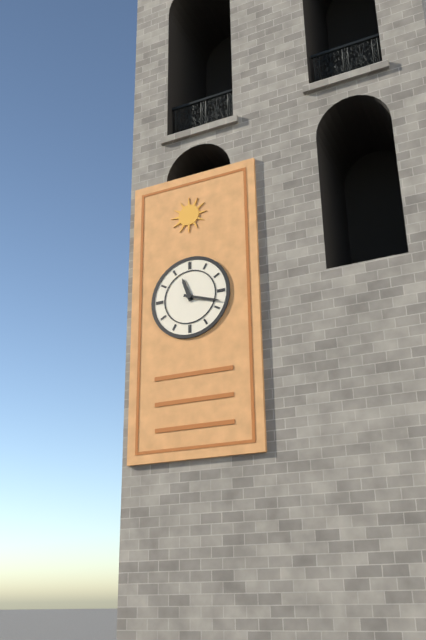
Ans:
h=11 m=18
